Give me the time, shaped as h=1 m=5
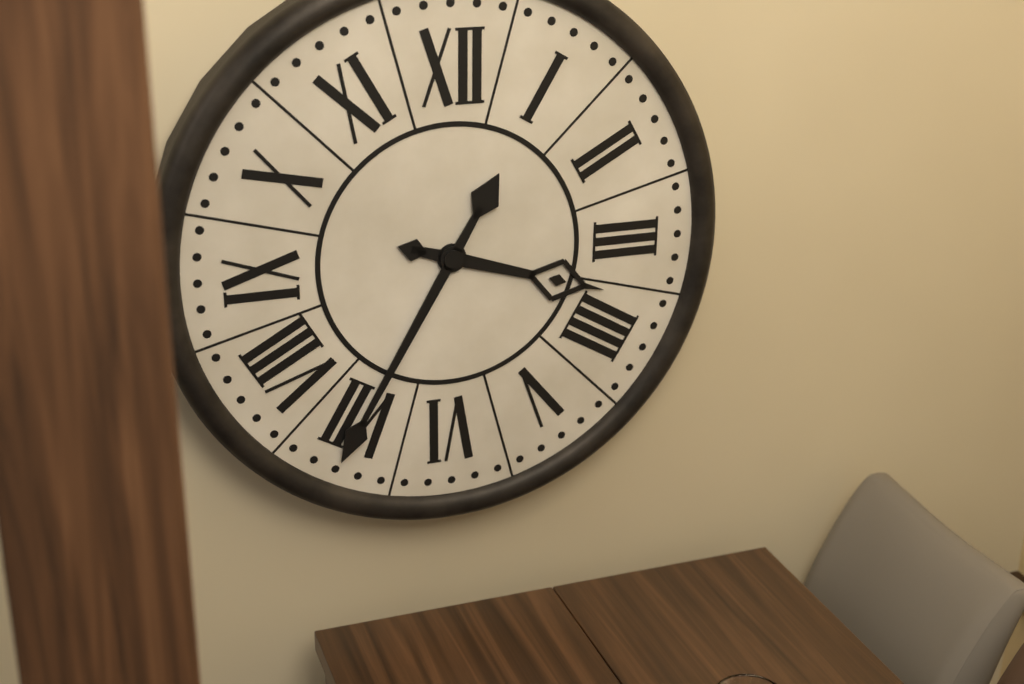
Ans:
h=3 m=35
